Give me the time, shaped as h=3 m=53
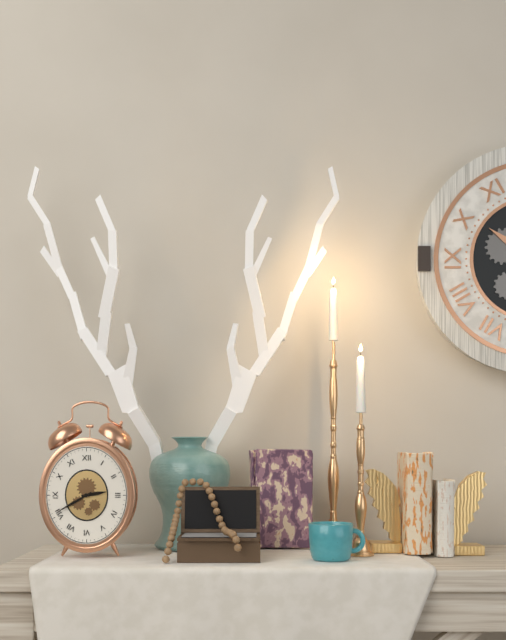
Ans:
h=2 m=40
